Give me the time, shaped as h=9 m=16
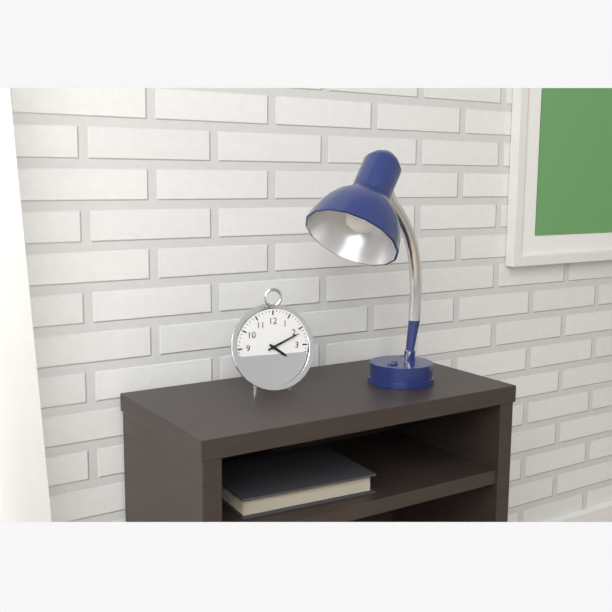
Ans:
h=4 m=11
